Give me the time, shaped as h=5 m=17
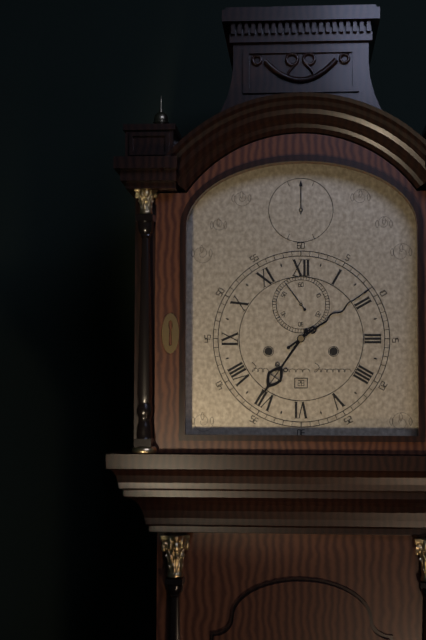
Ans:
h=7 m=9
